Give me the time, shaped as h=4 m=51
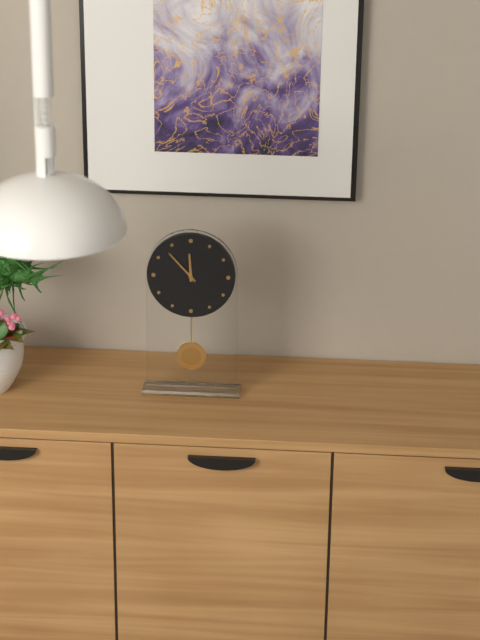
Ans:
h=11 m=53
